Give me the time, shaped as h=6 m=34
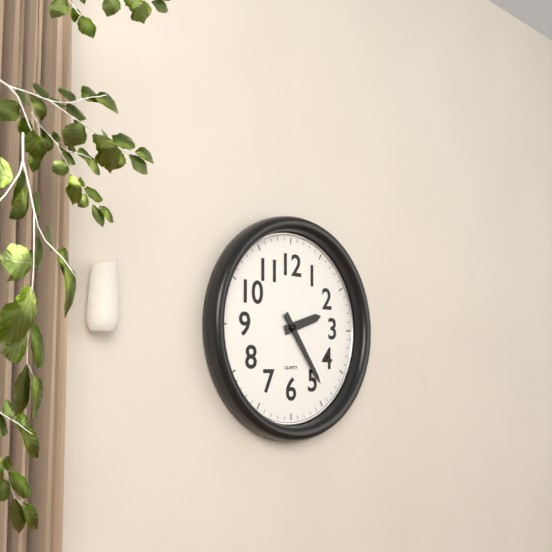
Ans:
h=2 m=24
